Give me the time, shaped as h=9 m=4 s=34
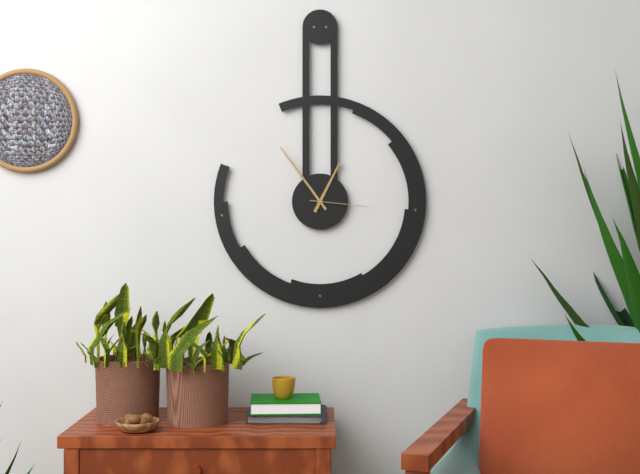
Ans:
h=12 m=54 s=16
